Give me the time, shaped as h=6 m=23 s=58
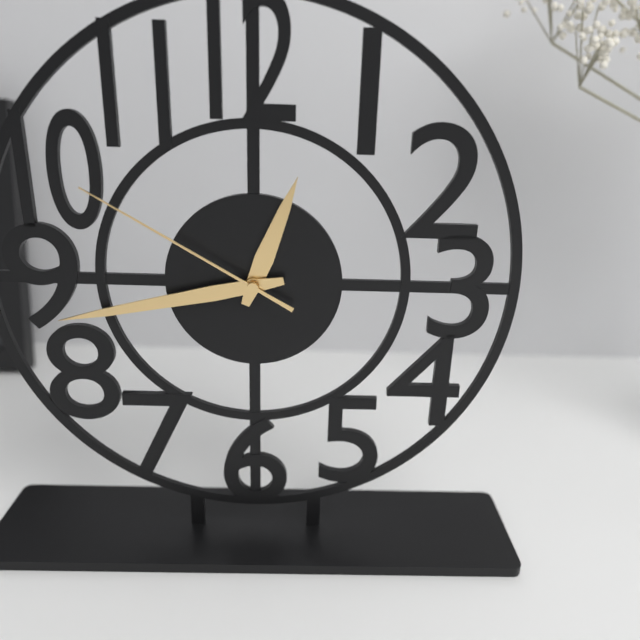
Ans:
h=12 m=43 s=50
